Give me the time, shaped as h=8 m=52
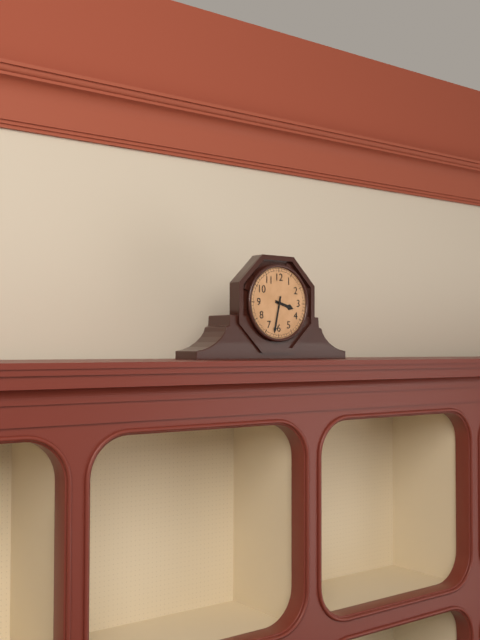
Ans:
h=3 m=32
